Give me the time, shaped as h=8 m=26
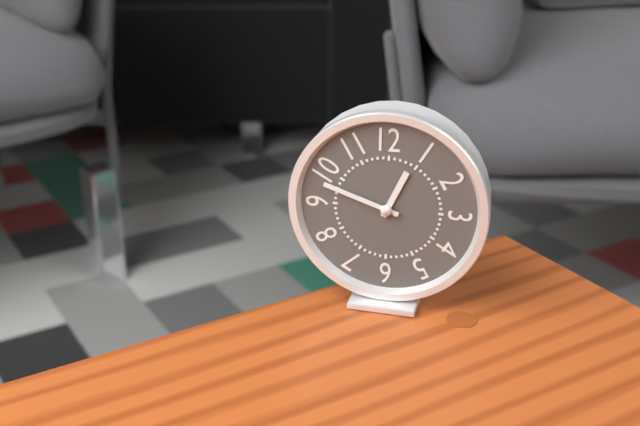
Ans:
h=12 m=48
